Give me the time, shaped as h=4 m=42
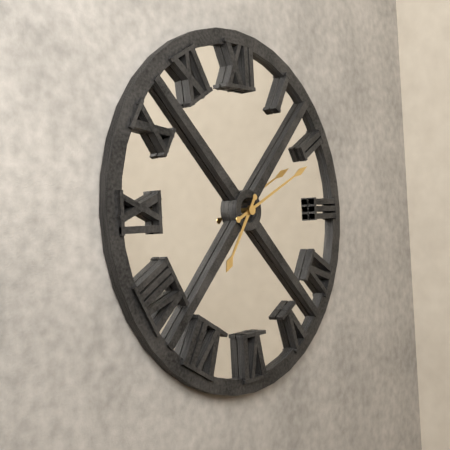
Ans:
h=7 m=11
